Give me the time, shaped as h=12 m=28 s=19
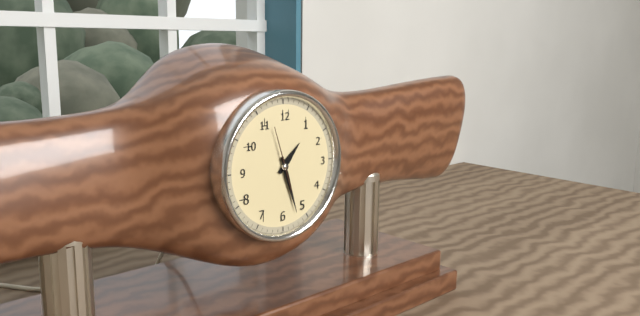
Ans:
h=1 m=27 s=57
